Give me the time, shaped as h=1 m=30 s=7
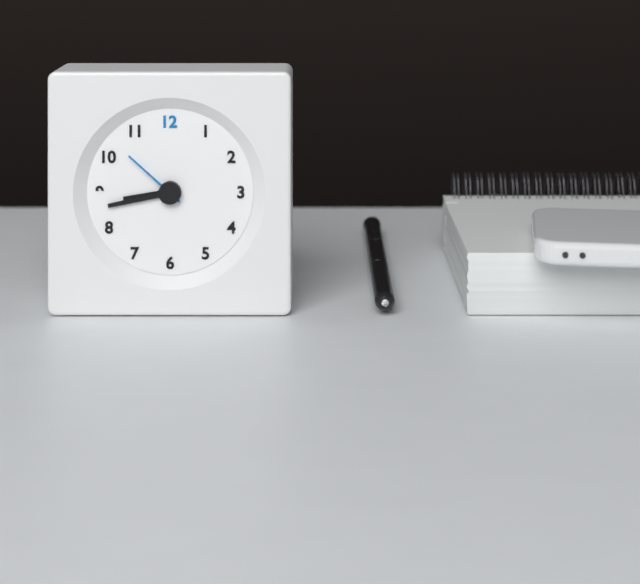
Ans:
h=8 m=43 s=52
